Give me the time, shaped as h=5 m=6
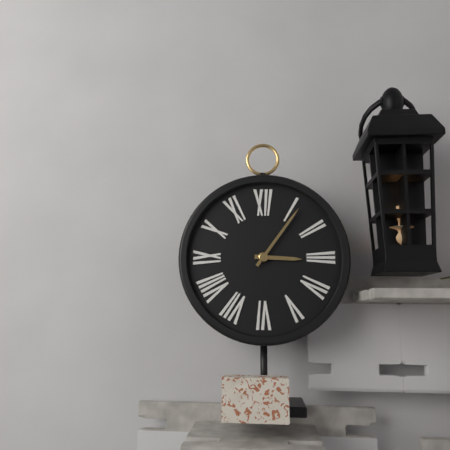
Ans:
h=3 m=6
